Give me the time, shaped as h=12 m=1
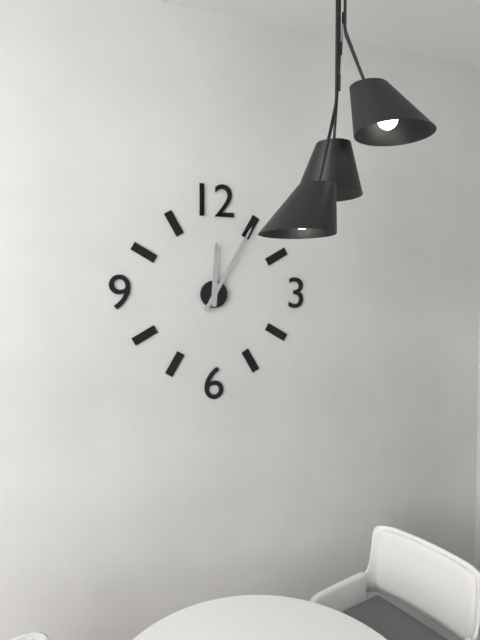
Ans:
h=12 m=5
